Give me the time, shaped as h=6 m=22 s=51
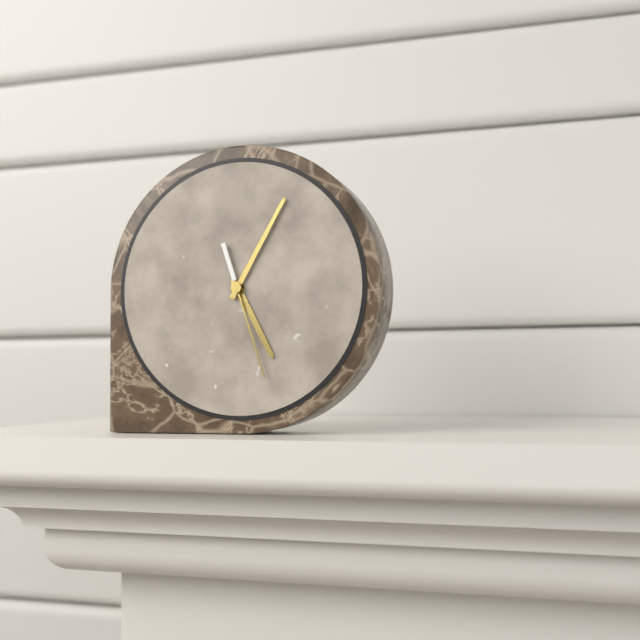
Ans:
h=5 m=5 s=27
